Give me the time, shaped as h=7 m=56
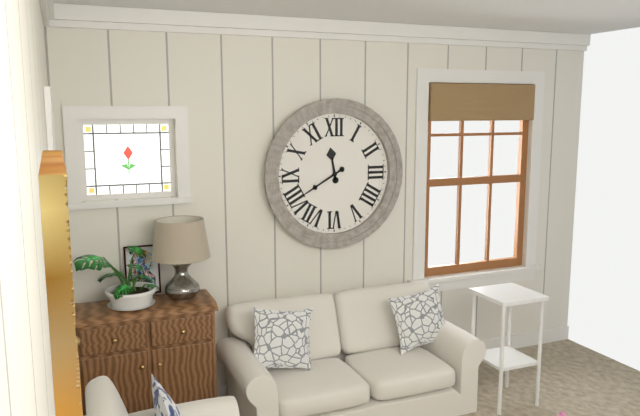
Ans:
h=11 m=40
